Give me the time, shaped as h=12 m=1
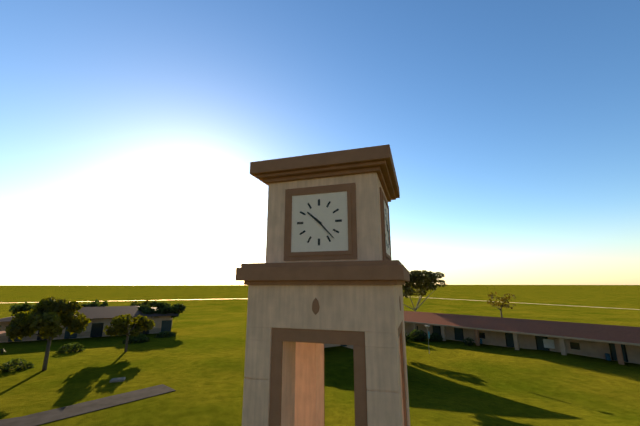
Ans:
h=10 m=23
